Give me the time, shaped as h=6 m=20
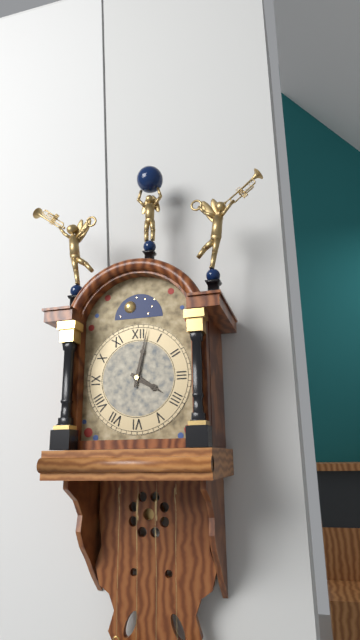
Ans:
h=4 m=2
